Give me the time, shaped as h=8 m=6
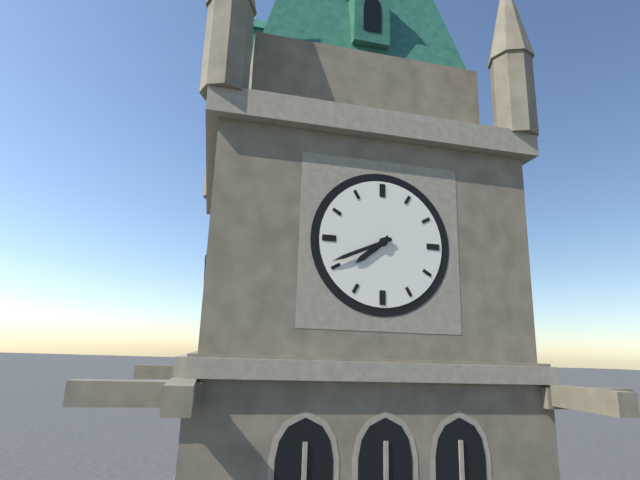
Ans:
h=7 m=41
